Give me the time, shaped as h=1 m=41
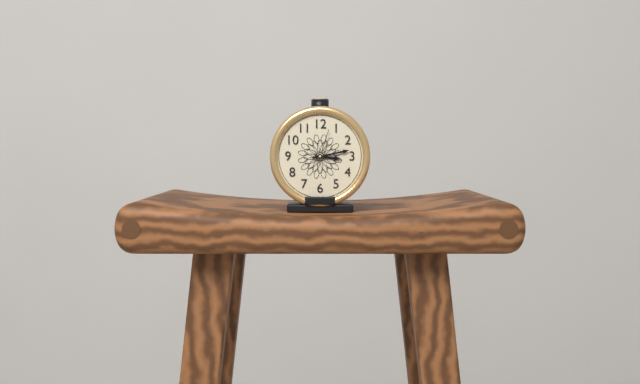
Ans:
h=3 m=13
